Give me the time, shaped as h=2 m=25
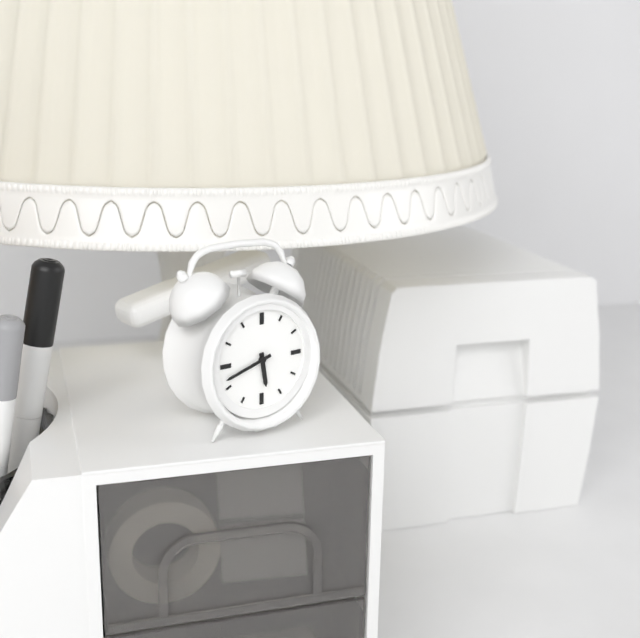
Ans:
h=5 m=42
